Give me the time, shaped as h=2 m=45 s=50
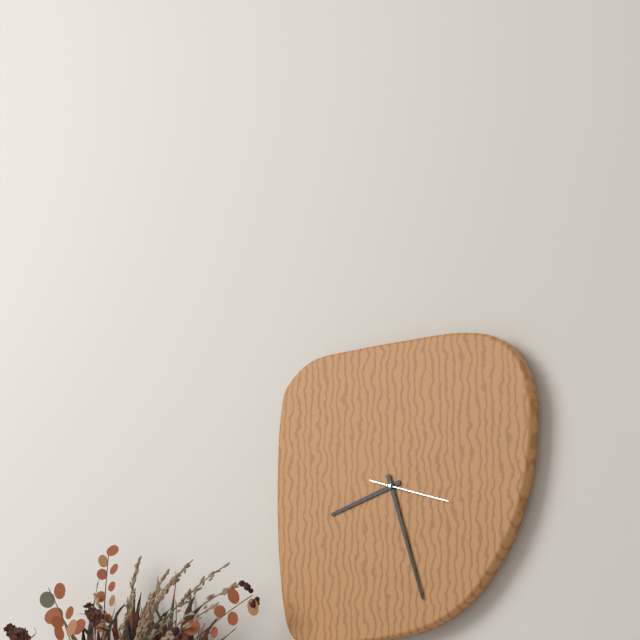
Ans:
h=8 m=27 s=18
